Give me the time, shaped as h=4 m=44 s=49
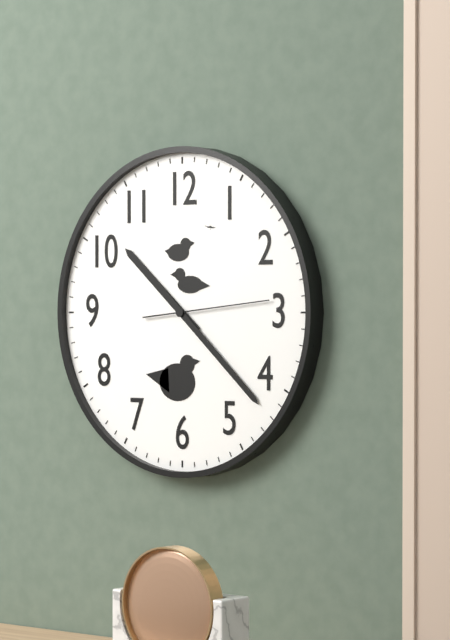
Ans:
h=10 m=22 s=14
